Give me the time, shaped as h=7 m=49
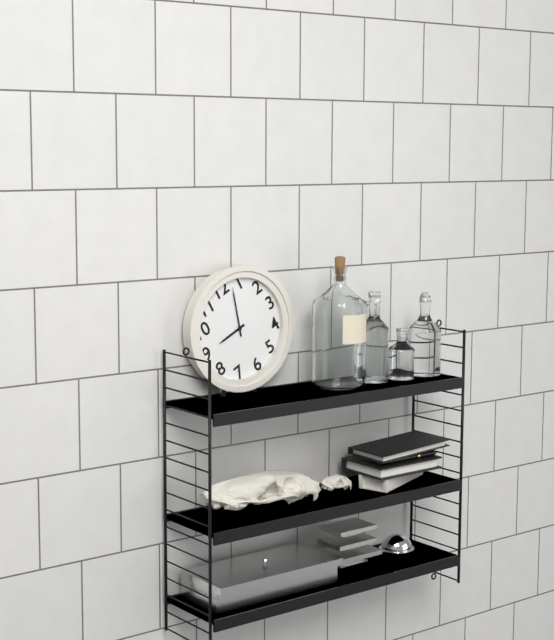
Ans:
h=9 m=3
